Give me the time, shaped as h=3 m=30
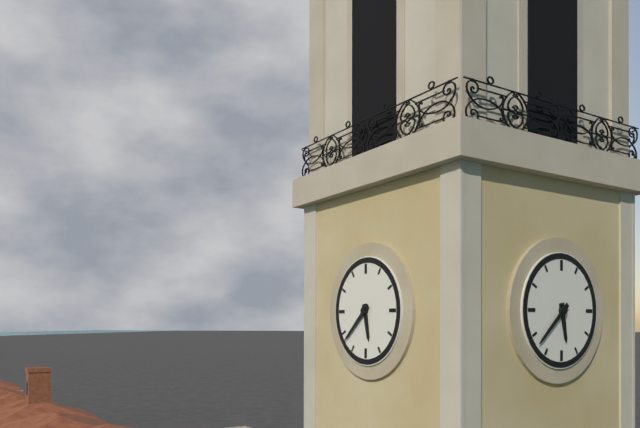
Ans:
h=5 m=38
